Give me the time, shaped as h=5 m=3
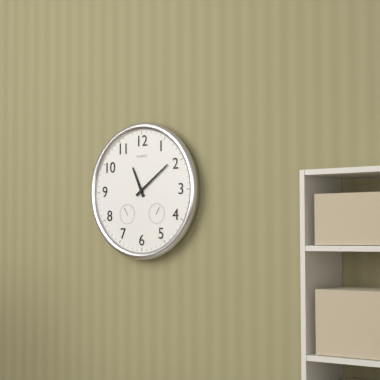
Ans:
h=11 m=9
